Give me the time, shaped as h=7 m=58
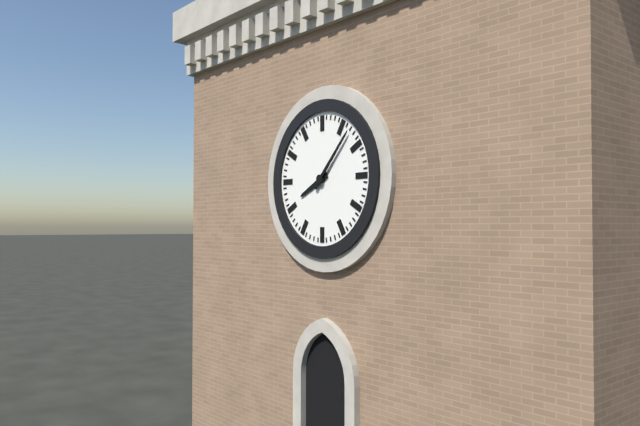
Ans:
h=8 m=7
